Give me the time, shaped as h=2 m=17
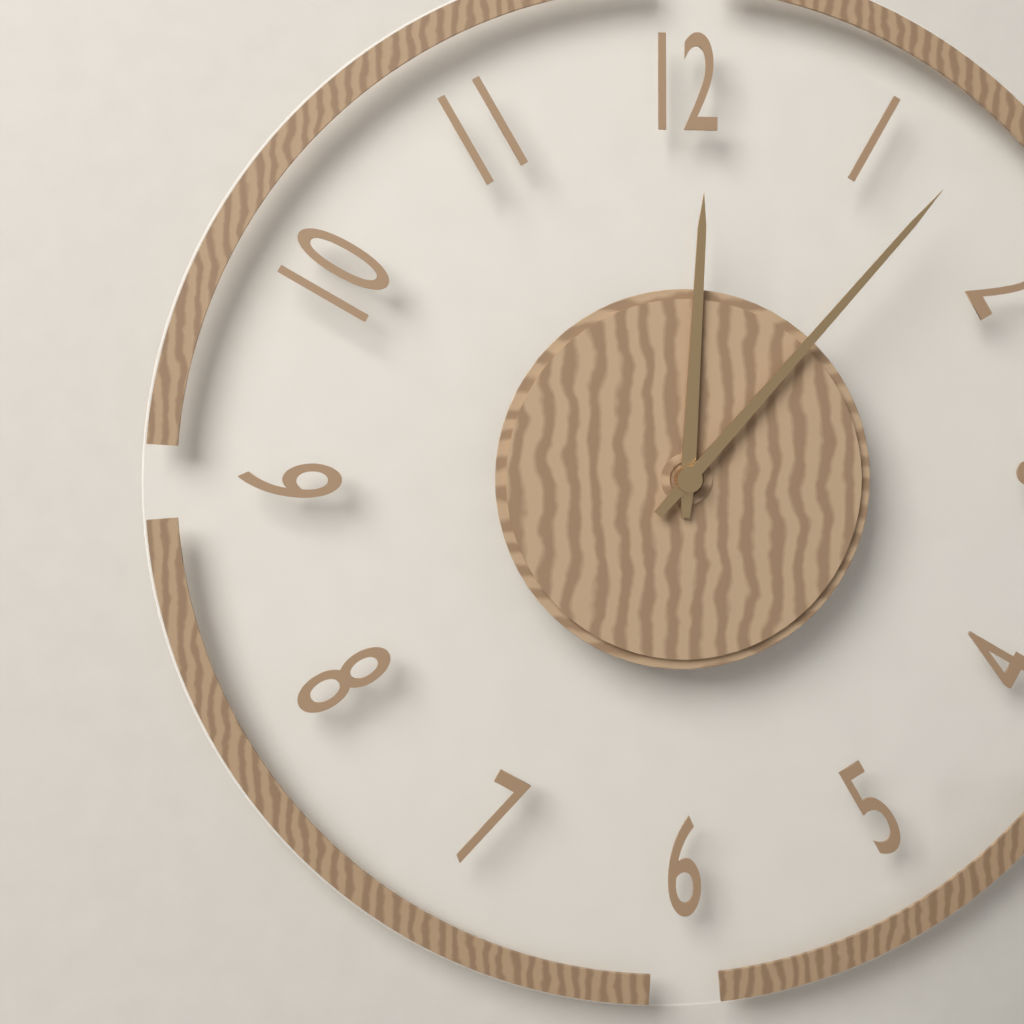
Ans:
h=12 m=7
